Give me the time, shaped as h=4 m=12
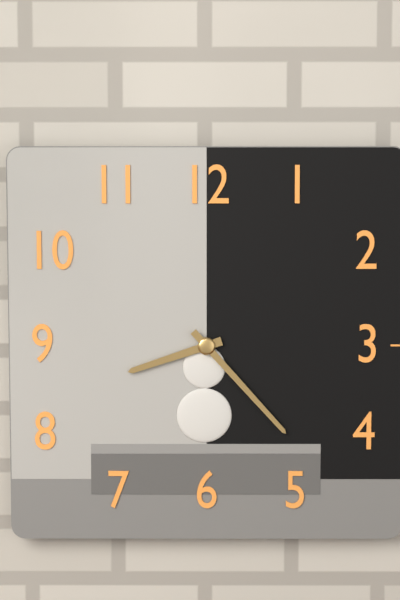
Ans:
h=8 m=23
